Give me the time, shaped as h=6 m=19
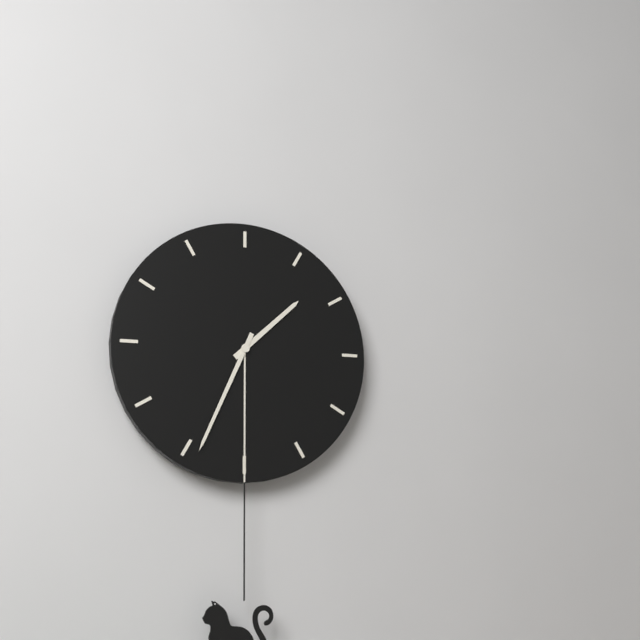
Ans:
h=1 m=34
